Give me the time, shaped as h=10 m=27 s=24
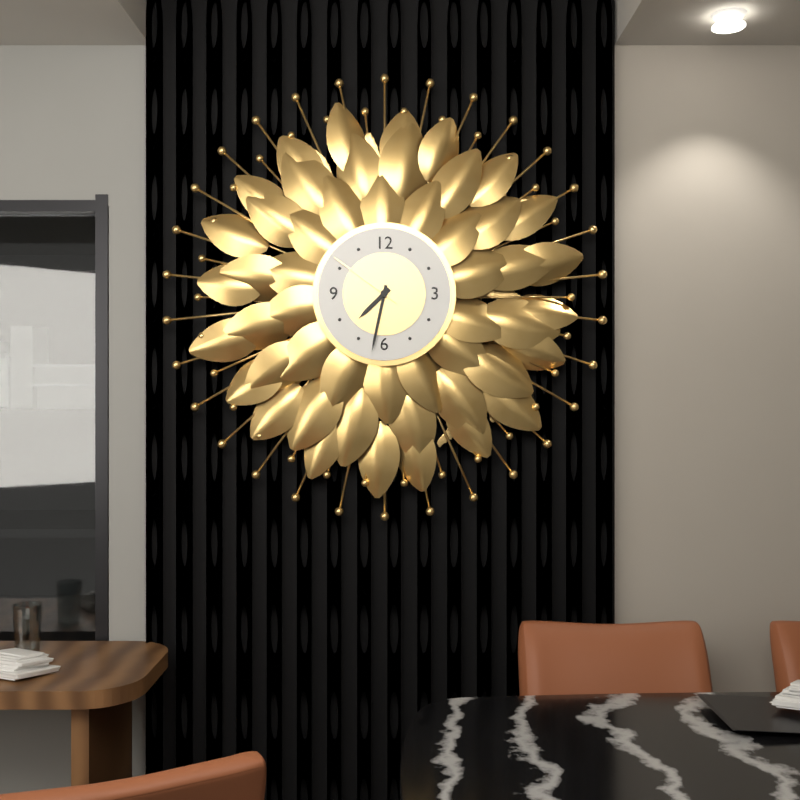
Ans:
h=7 m=32 s=51
